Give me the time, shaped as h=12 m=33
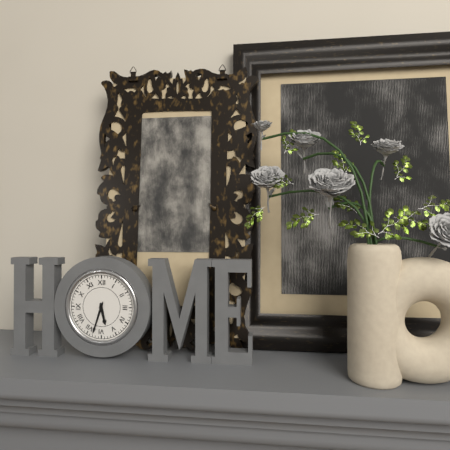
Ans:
h=5 m=33
